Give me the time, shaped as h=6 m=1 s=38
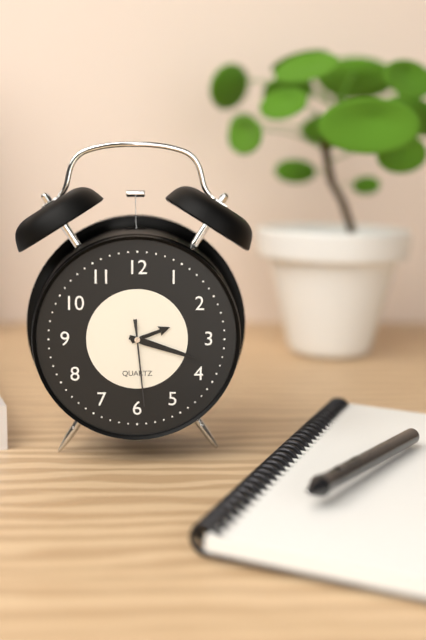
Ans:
h=2 m=18 s=29
